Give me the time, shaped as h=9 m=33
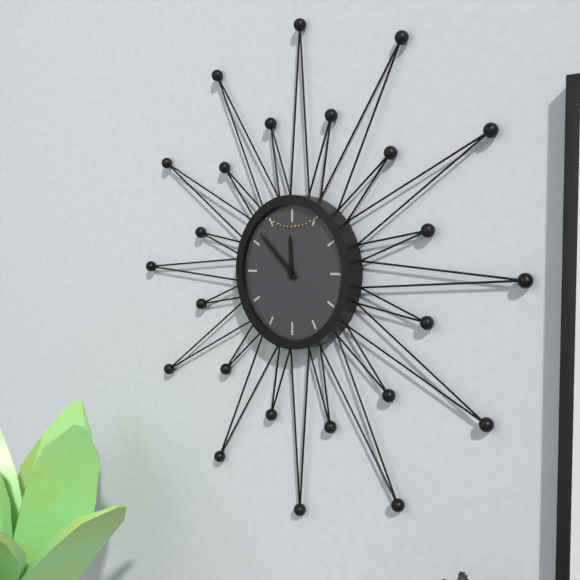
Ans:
h=11 m=52
